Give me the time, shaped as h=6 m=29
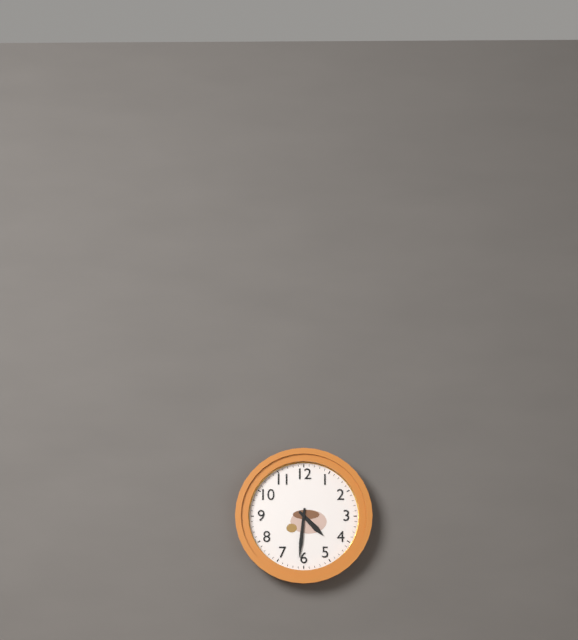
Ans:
h=4 m=31
